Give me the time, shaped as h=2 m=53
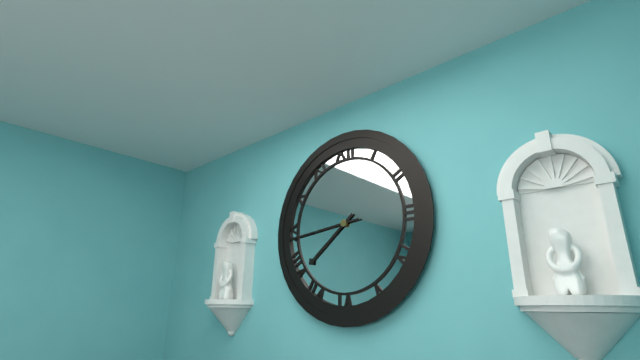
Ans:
h=7 m=44
